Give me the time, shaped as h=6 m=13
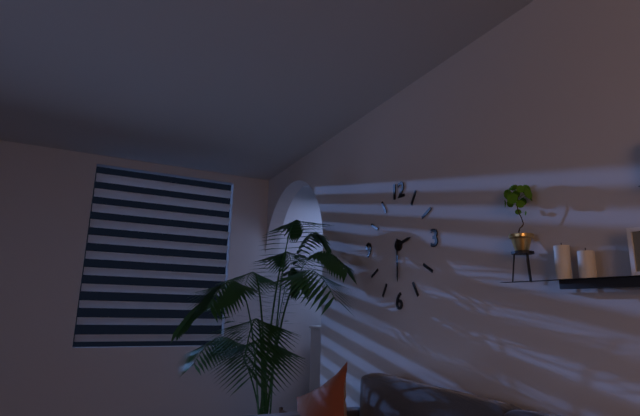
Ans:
h=2 m=30
